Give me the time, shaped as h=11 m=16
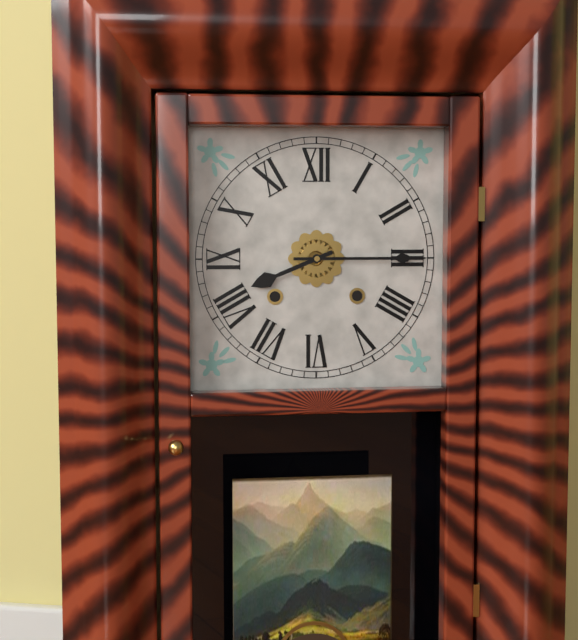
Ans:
h=8 m=15
